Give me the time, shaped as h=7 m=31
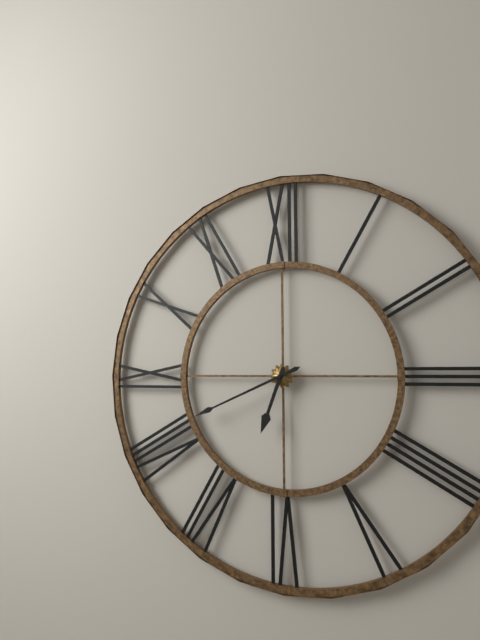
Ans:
h=6 m=41
